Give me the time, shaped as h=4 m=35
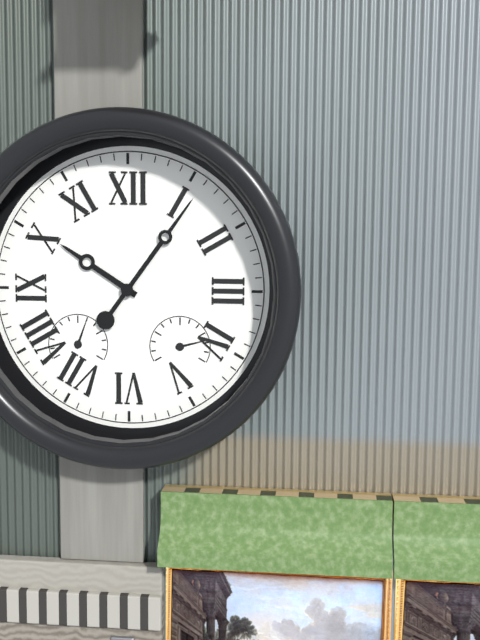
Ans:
h=10 m=6
